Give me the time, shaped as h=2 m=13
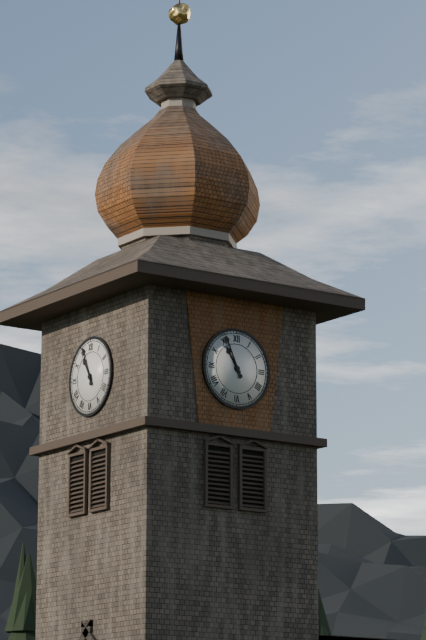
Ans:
h=10 m=56
